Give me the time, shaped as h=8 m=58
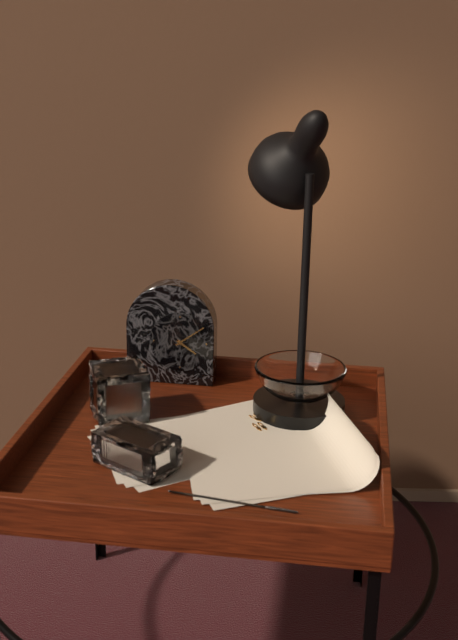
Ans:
h=4 m=9
